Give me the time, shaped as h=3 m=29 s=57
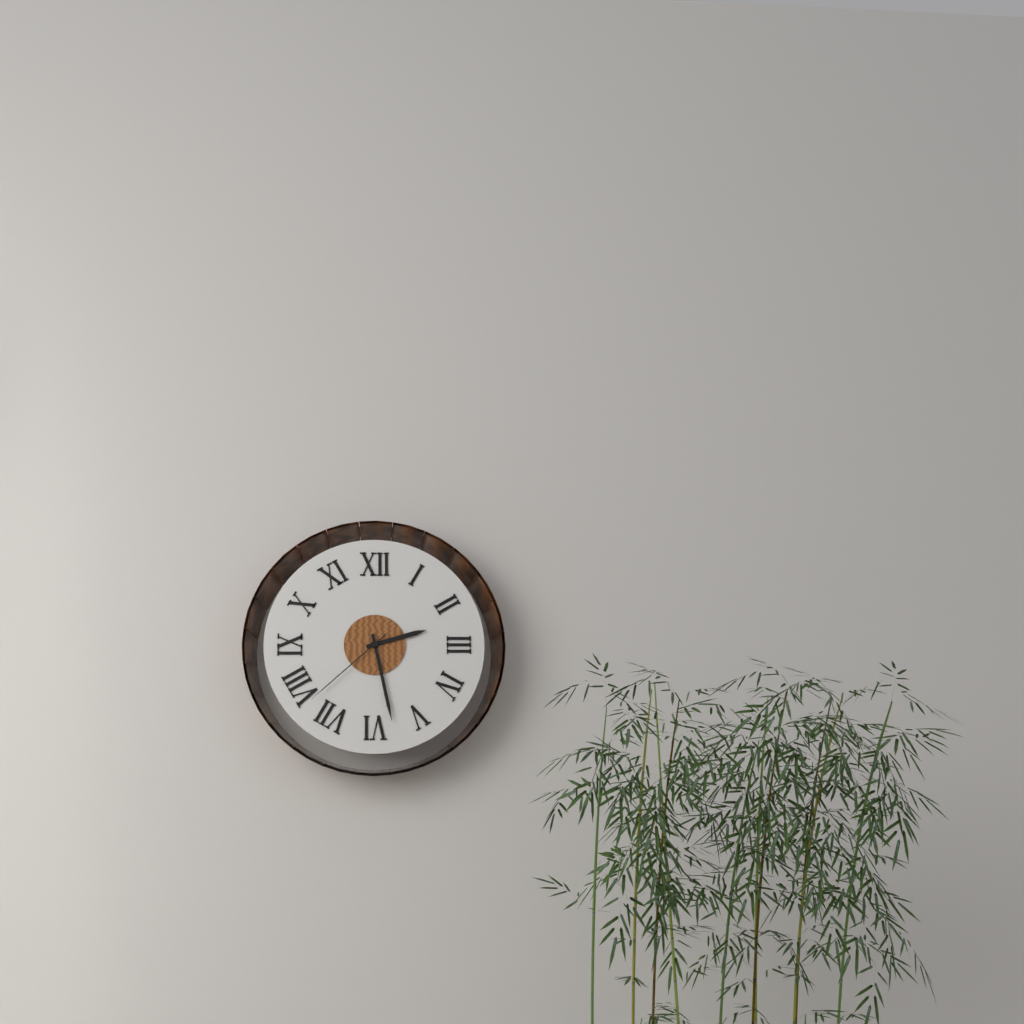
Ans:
h=2 m=28 s=38
